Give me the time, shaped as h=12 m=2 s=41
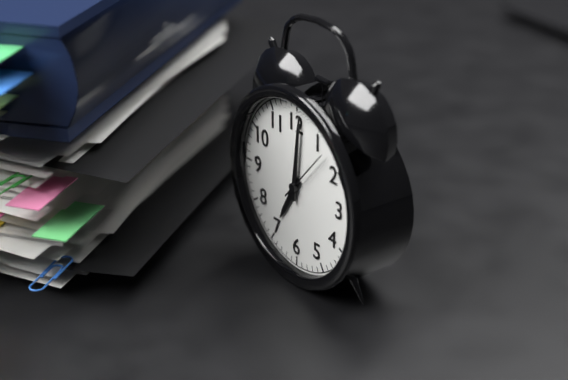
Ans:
h=7 m=1 s=7
